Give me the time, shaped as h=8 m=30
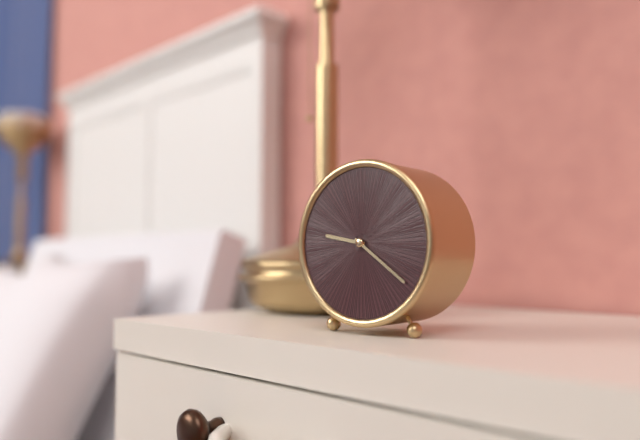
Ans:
h=9 m=21
